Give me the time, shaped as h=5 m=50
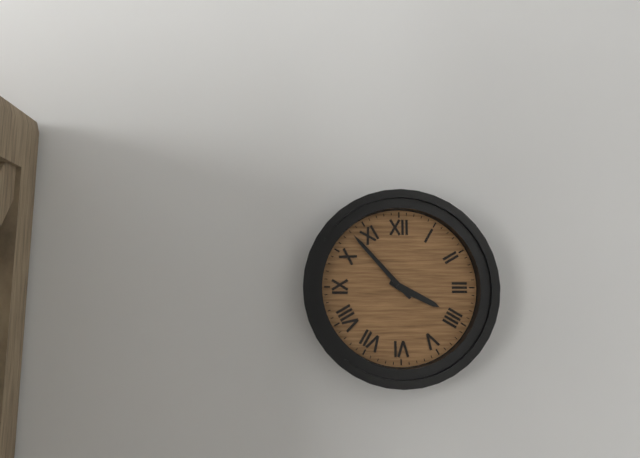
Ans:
h=3 m=53
